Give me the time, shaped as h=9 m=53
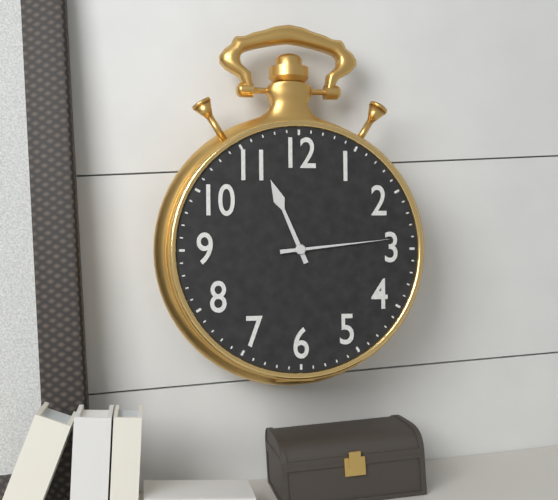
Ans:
h=11 m=14
